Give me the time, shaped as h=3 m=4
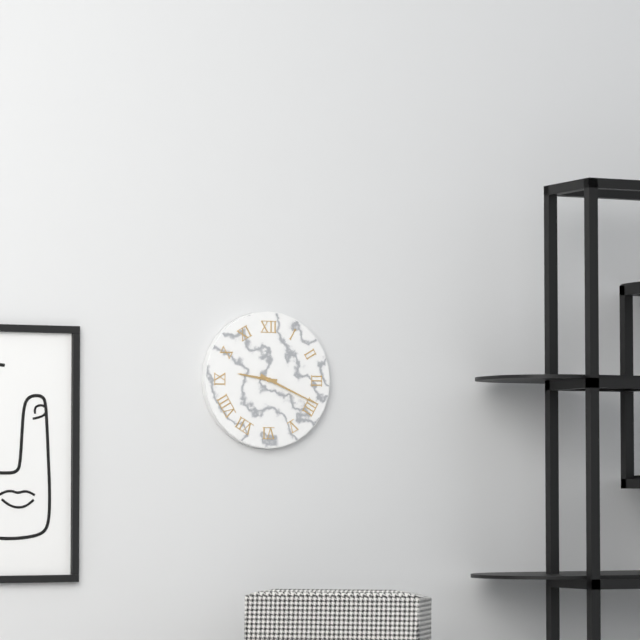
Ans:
h=9 m=19
